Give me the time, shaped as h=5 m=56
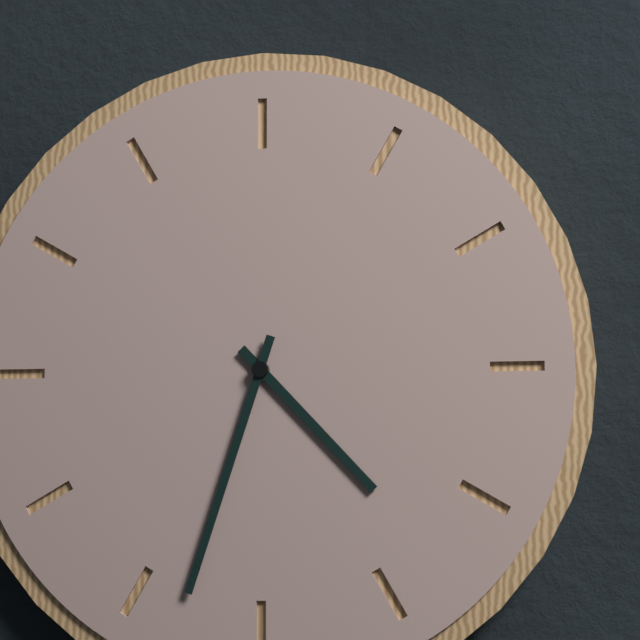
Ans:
h=4 m=33
